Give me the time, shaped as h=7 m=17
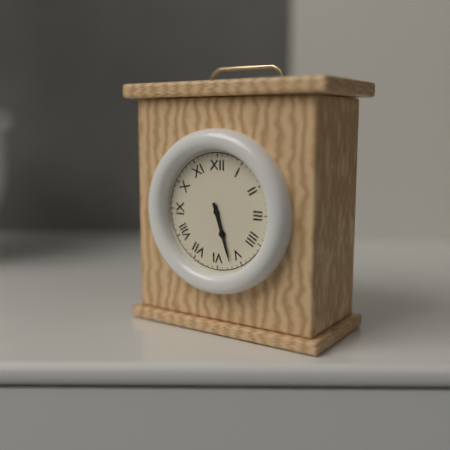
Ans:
h=5 m=27
